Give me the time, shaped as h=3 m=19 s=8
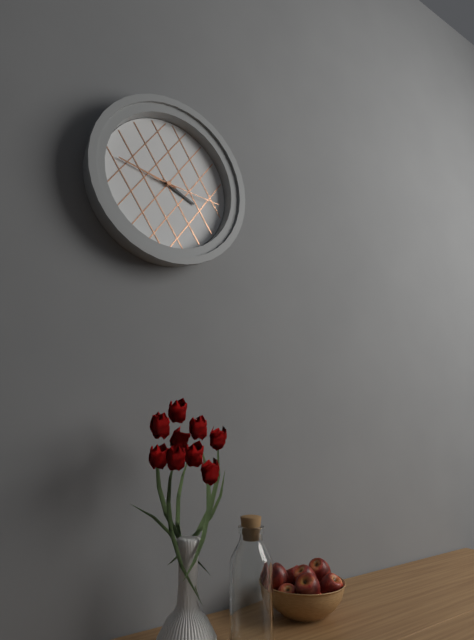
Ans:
h=3 m=47 s=16
